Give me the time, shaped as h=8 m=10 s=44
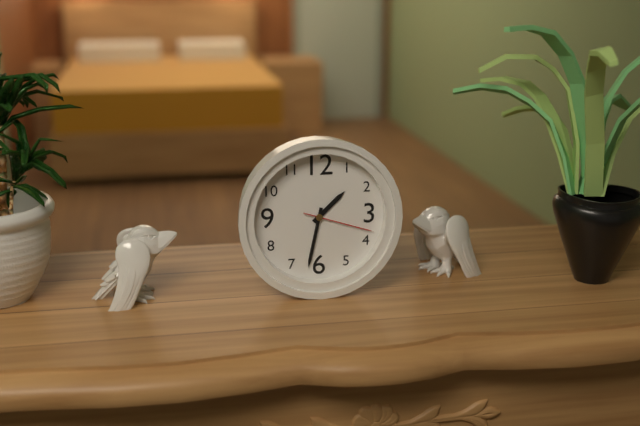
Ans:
h=1 m=32 s=18
